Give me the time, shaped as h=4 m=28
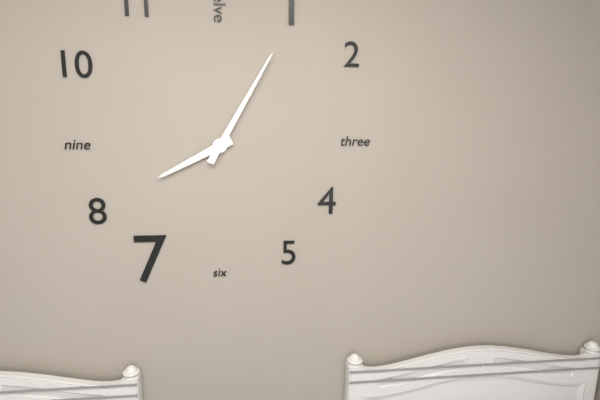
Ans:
h=8 m=5
